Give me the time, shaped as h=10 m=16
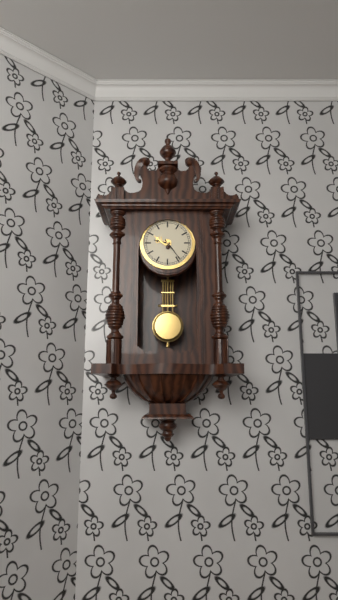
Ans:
h=9 m=24
